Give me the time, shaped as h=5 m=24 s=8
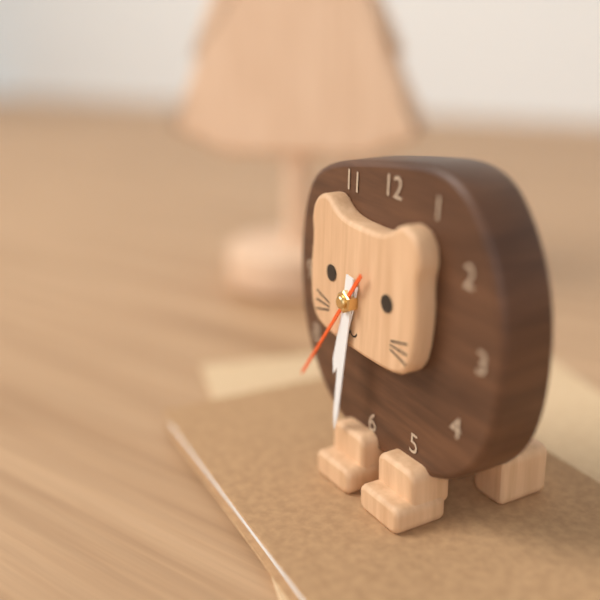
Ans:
h=6 m=31 s=36
